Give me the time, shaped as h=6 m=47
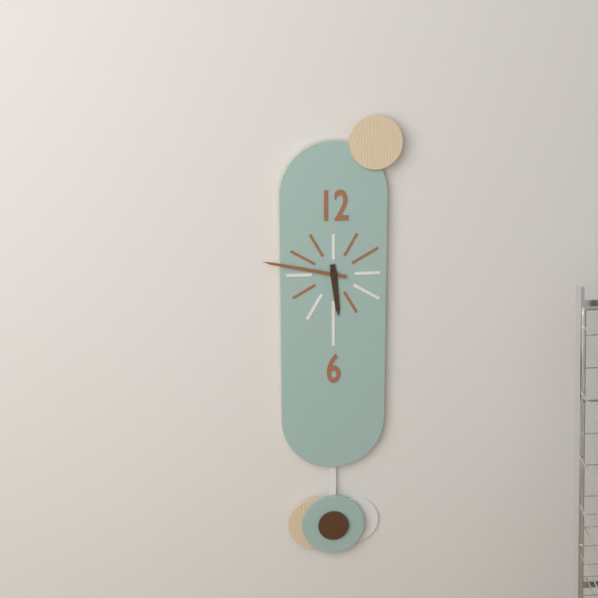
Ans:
h=5 m=47
